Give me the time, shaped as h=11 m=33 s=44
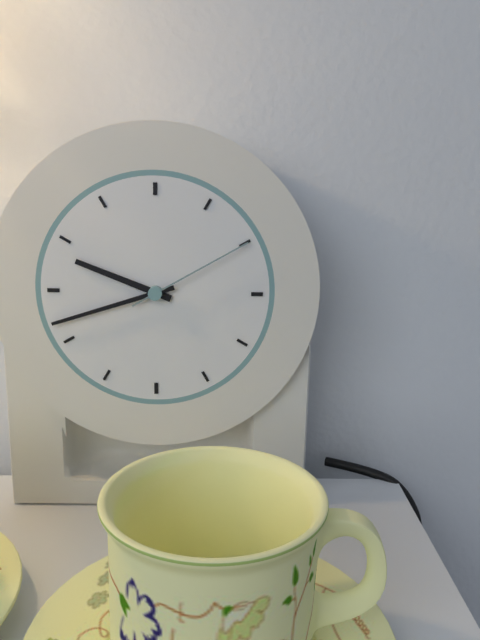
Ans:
h=9 m=42 s=10
